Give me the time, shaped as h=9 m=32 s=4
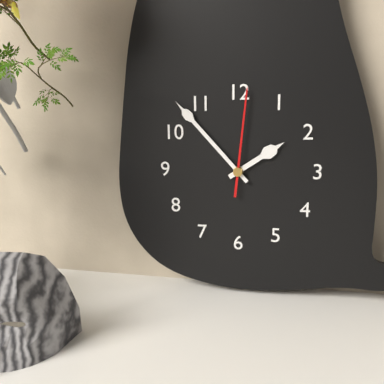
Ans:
h=1 m=53 s=1
